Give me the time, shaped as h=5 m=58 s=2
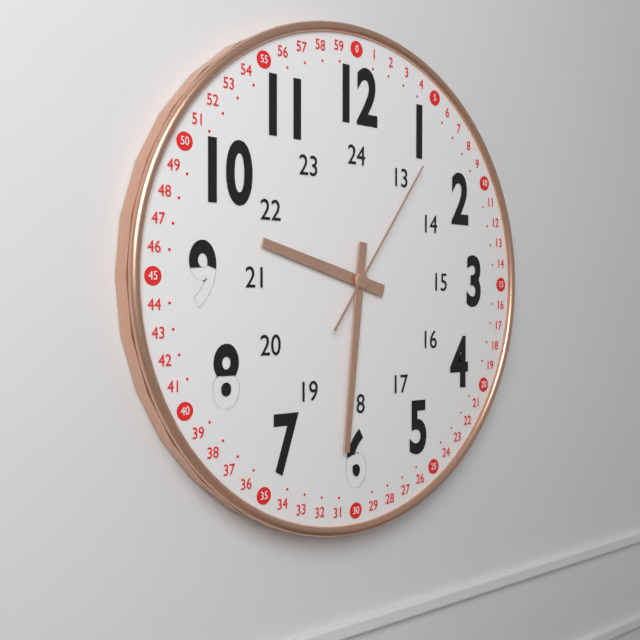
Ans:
h=9 m=31 s=6
